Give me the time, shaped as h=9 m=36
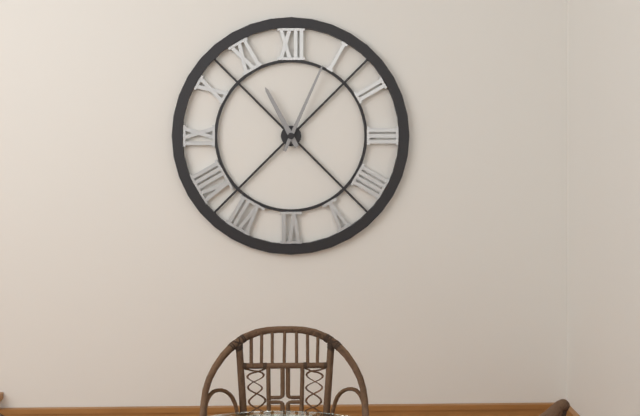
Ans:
h=11 m=4
